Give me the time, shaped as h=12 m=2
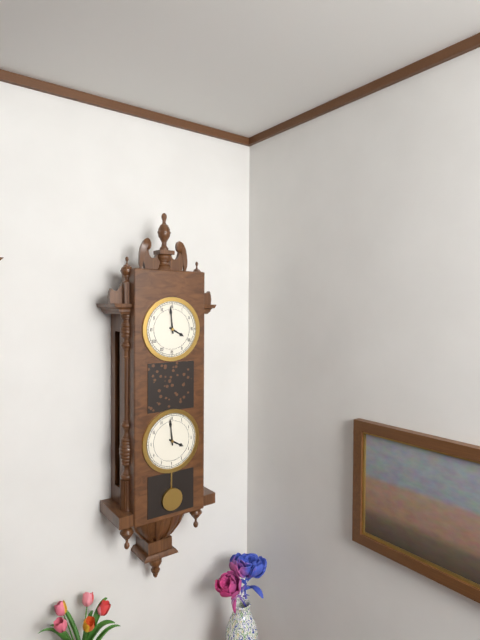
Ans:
h=3 m=59
